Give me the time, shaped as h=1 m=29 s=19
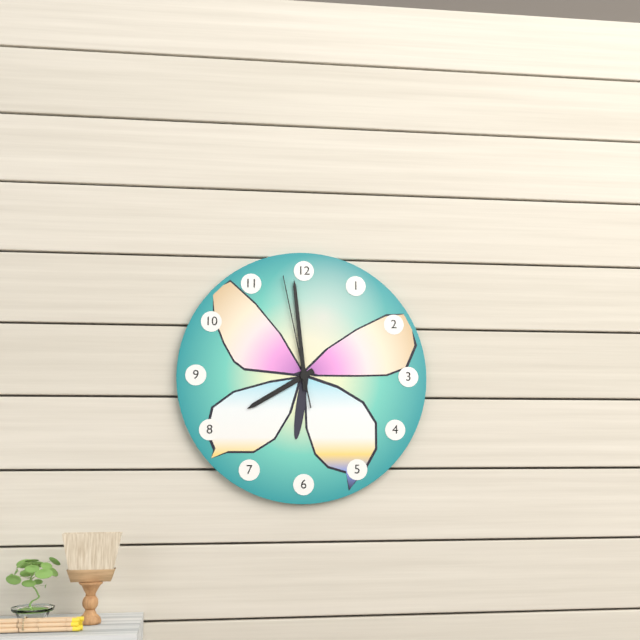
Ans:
h=7 m=59 s=58
